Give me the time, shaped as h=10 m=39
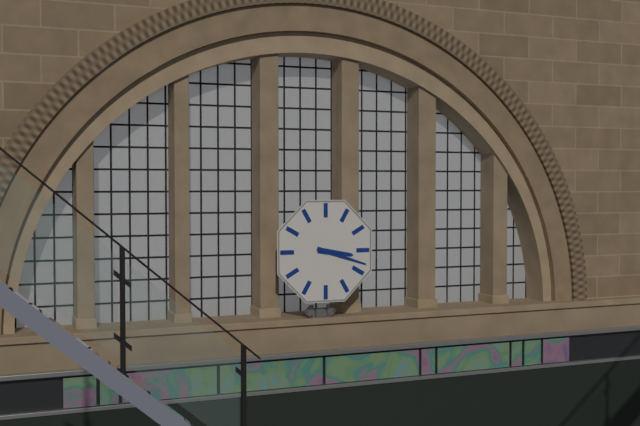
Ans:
h=3 m=18
